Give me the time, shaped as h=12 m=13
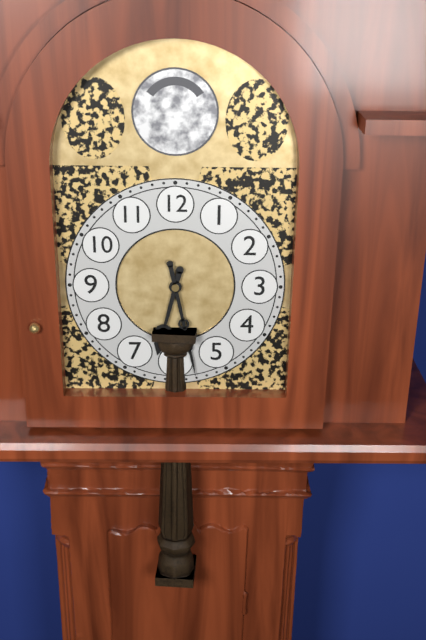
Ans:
h=6 m=28
